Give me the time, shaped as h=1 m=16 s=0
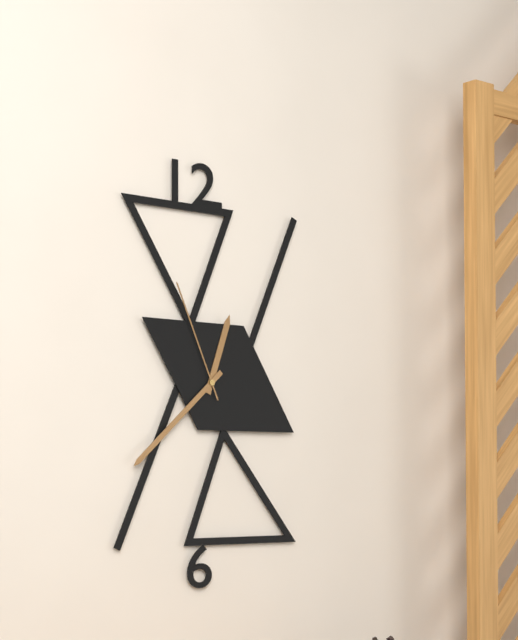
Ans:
h=12 m=38 s=56
